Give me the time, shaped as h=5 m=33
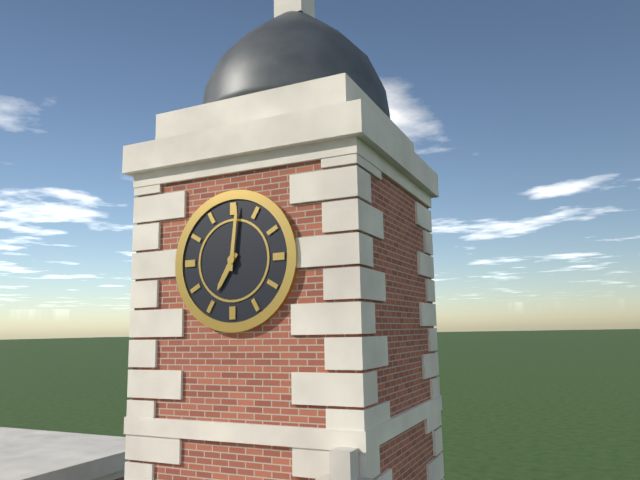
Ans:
h=7 m=1
